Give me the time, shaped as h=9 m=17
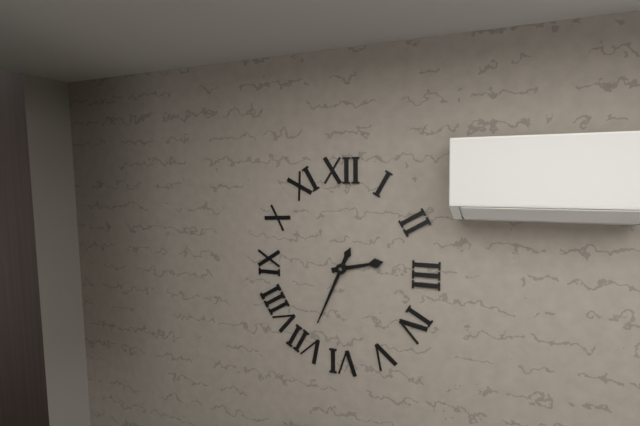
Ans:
h=2 m=34
